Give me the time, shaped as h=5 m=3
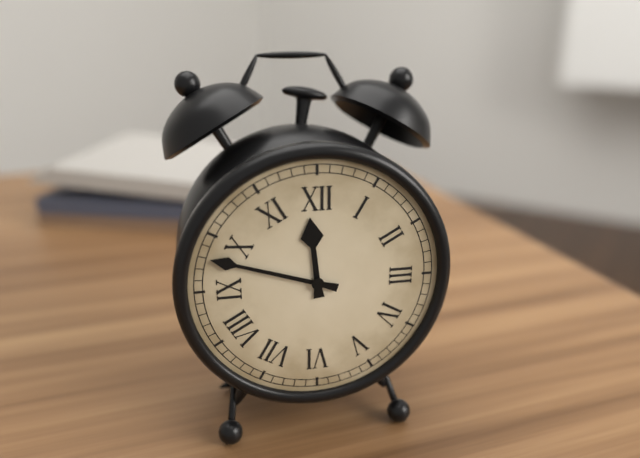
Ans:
h=11 m=48
